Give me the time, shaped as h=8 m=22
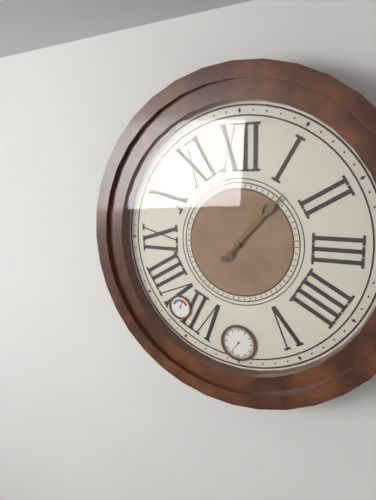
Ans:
h=1 m=7
